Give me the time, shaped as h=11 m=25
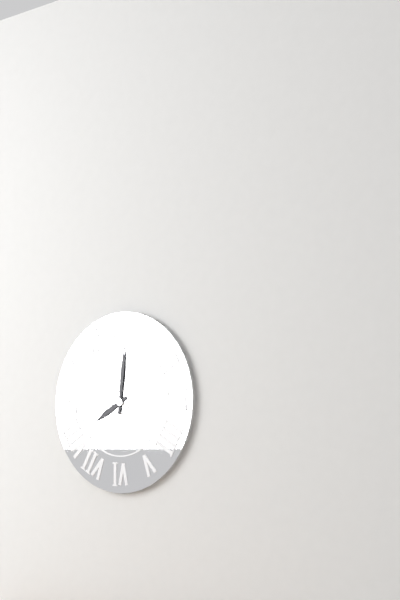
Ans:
h=8 m=1
